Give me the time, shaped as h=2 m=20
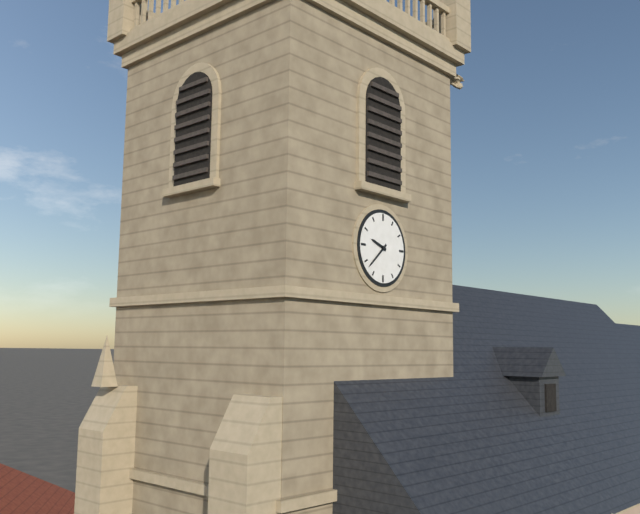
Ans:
h=9 m=38
